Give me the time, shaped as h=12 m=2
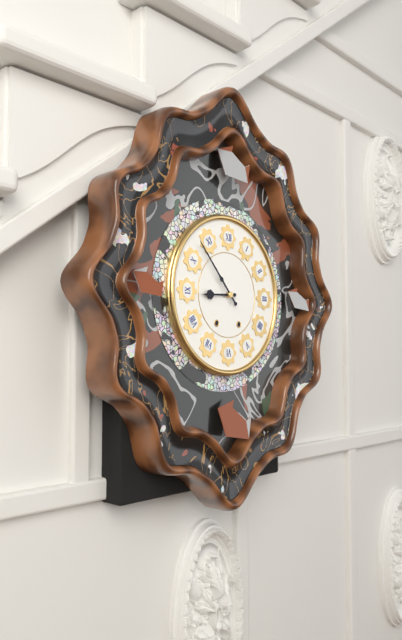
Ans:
h=8 m=53
